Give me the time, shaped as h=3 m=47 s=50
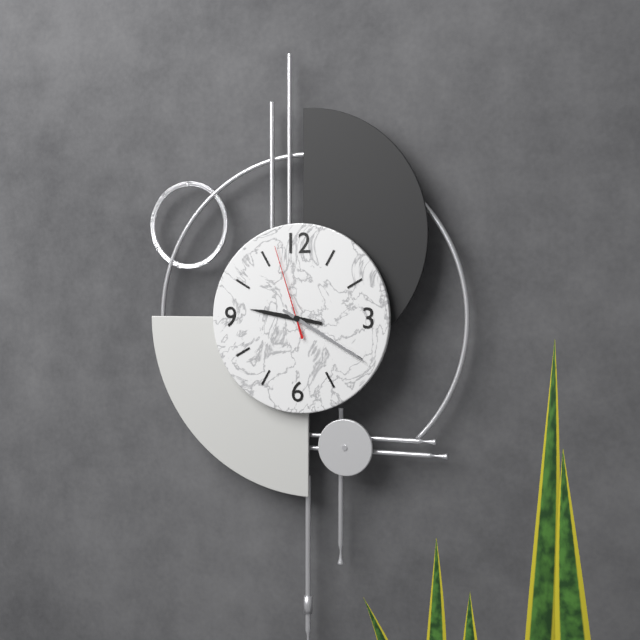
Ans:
h=9 m=20 s=57
